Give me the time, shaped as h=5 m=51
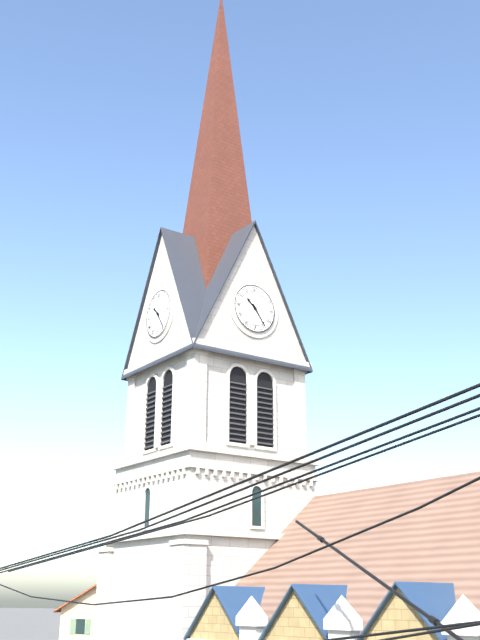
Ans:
h=10 m=24
